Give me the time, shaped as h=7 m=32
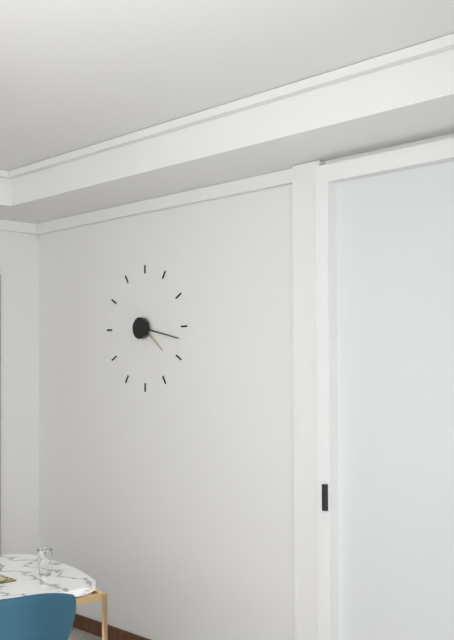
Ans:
h=4 m=17
